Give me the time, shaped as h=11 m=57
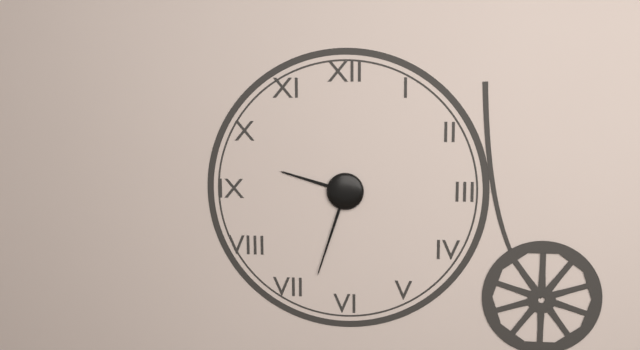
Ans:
h=9 m=33
